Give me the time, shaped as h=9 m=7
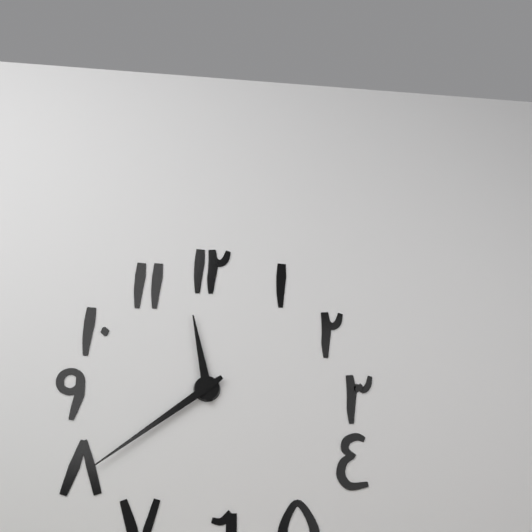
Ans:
h=11 m=39
